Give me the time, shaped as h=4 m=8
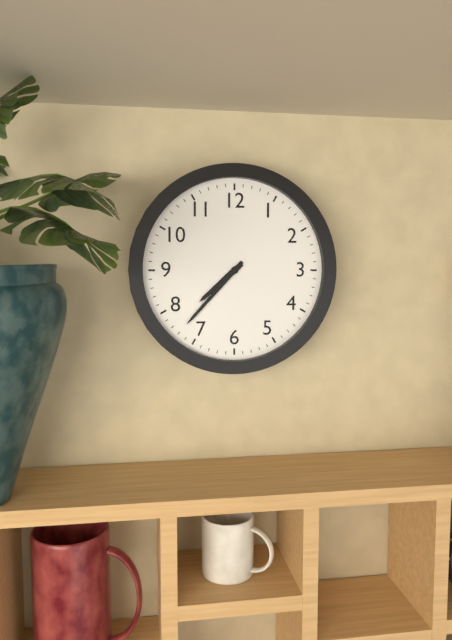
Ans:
h=7 m=37
